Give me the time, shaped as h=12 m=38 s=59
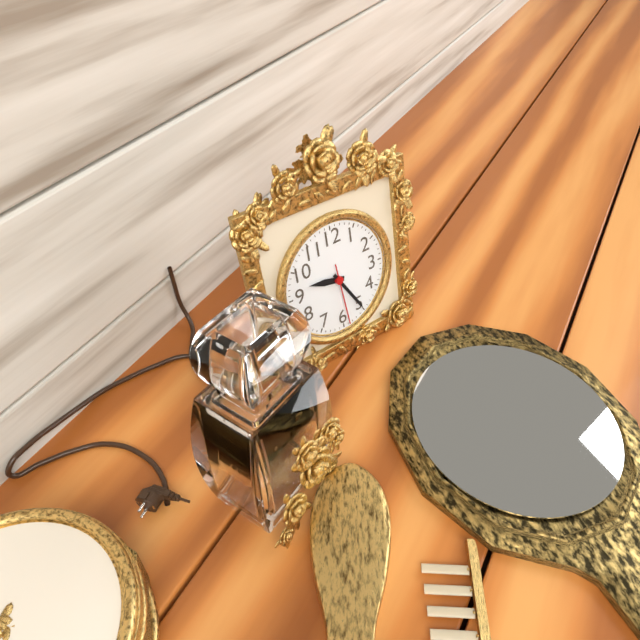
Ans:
h=9 m=25 s=29
